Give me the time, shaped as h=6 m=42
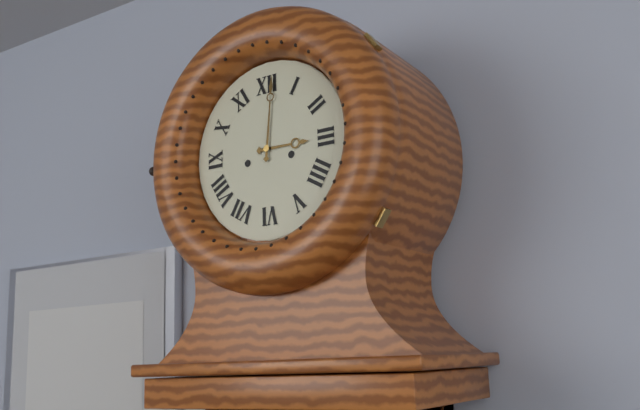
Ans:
h=3 m=1
